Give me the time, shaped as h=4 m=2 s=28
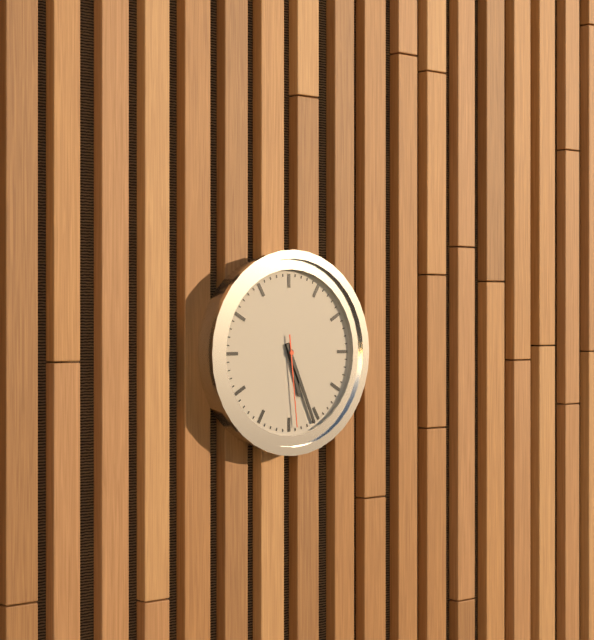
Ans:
h=5 m=26 s=29
